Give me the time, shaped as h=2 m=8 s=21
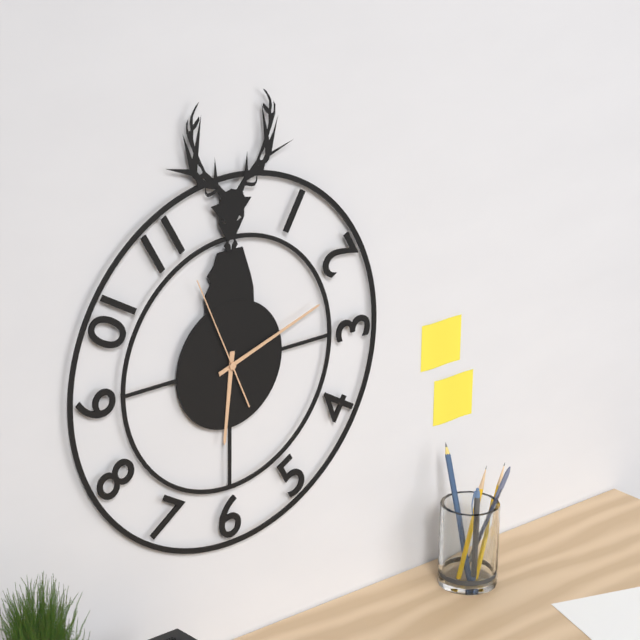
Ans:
h=6 m=12 s=56
